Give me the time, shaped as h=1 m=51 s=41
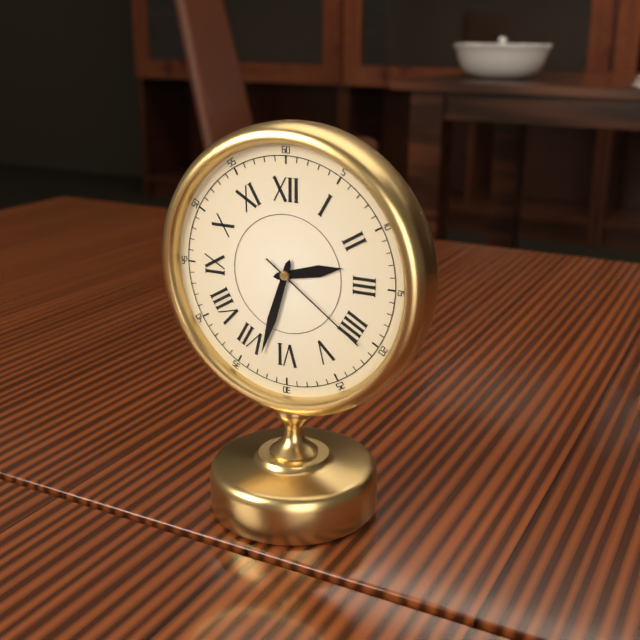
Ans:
h=2 m=33 s=21
